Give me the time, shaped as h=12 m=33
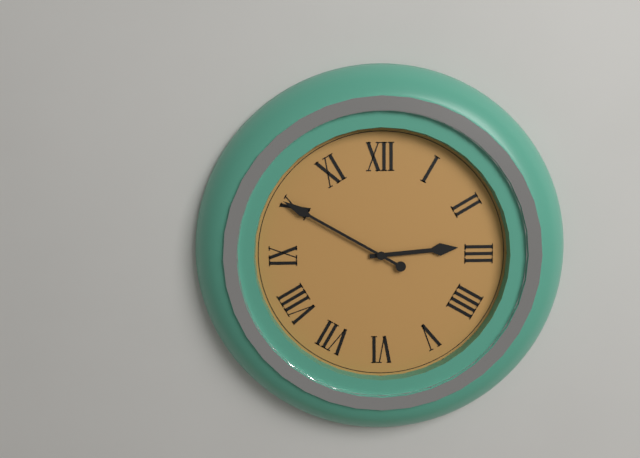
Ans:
h=2 m=50
